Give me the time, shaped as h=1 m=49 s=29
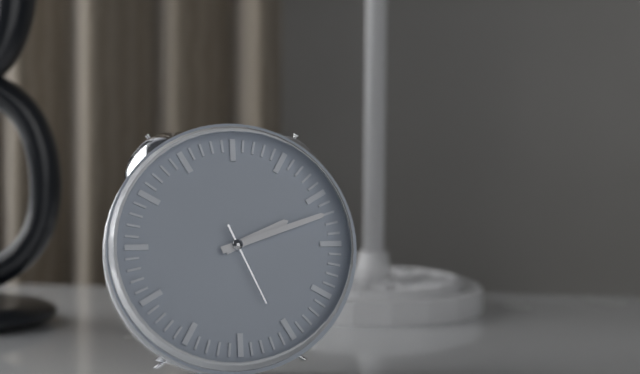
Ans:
h=2 m=12 s=26
